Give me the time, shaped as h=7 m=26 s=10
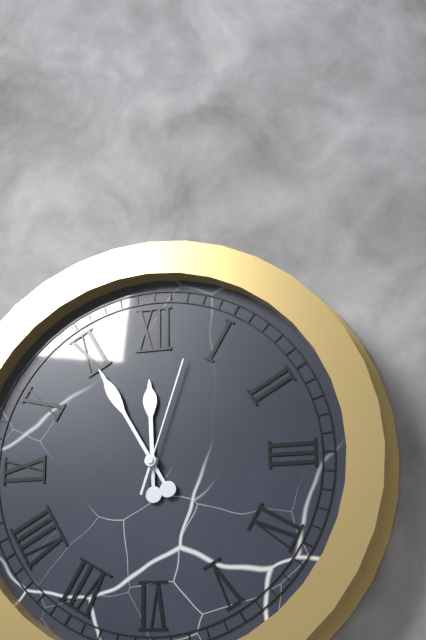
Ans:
h=11 m=55 s=3
